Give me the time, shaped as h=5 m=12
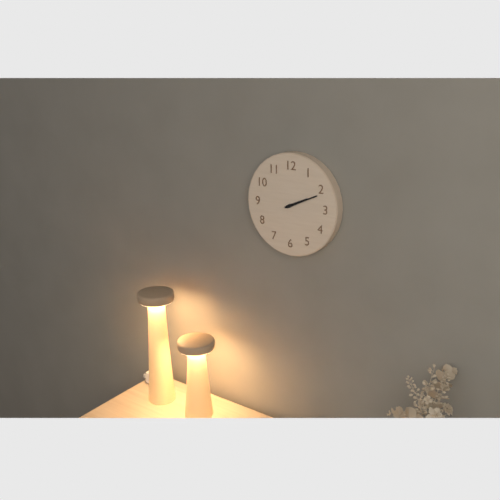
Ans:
h=2 m=11
